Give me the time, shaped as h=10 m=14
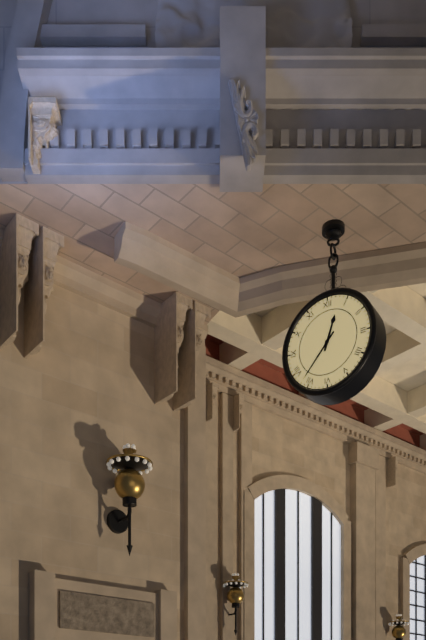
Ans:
h=12 m=37
